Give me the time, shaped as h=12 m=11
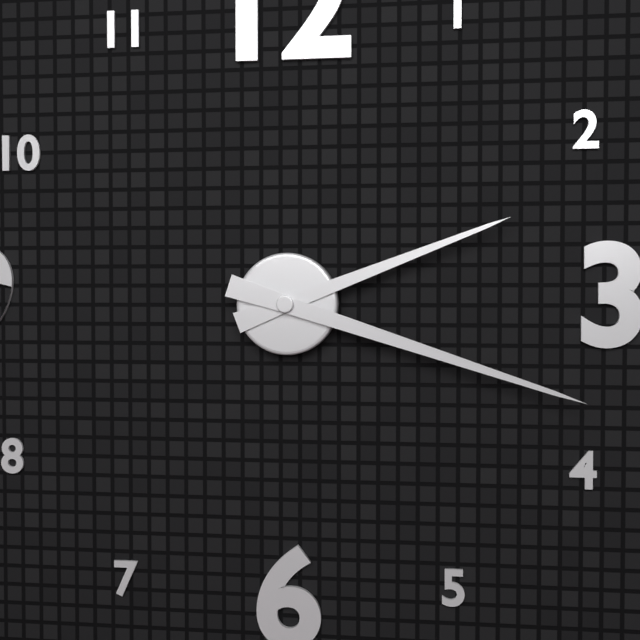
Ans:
h=2 m=18
